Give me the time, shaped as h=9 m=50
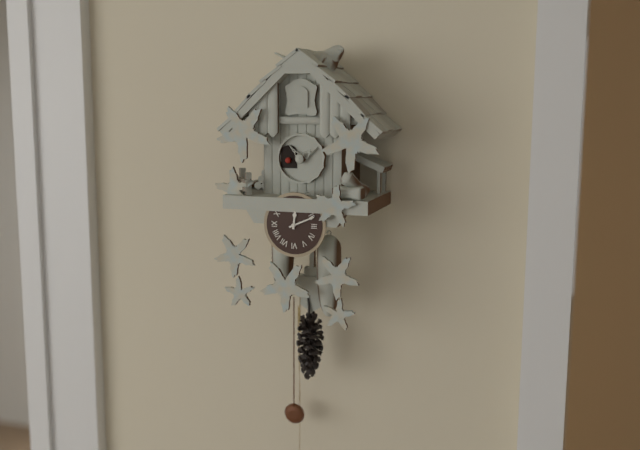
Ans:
h=12 m=11
